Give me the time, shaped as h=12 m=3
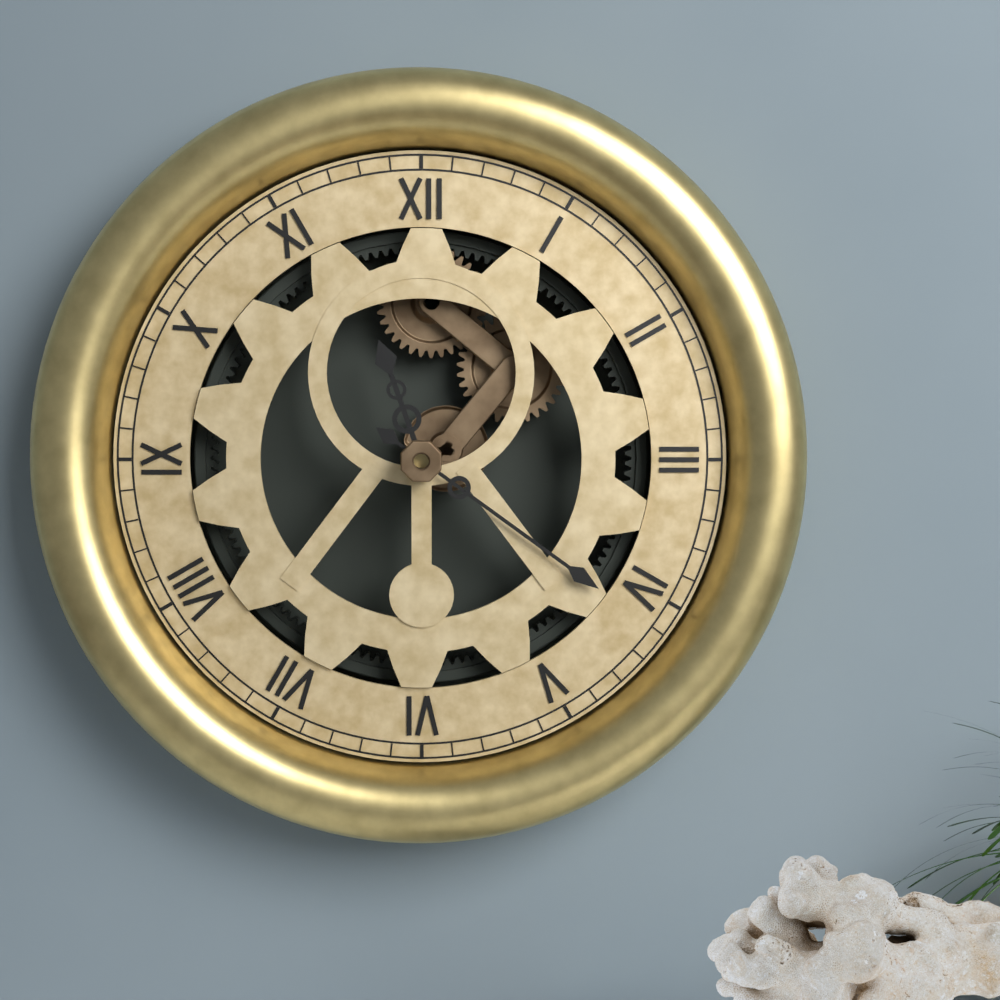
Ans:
h=11 m=21
